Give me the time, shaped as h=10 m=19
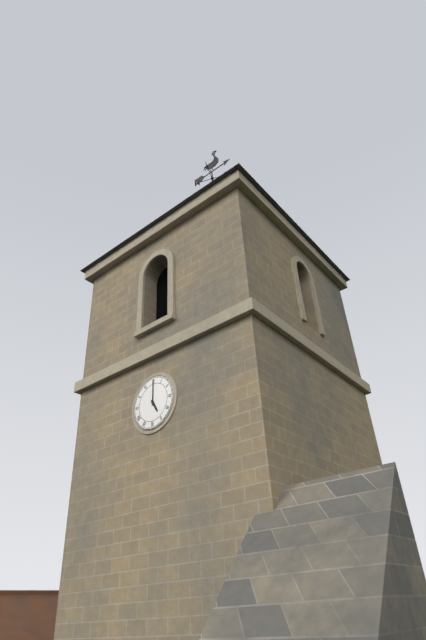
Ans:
h=5 m=0
